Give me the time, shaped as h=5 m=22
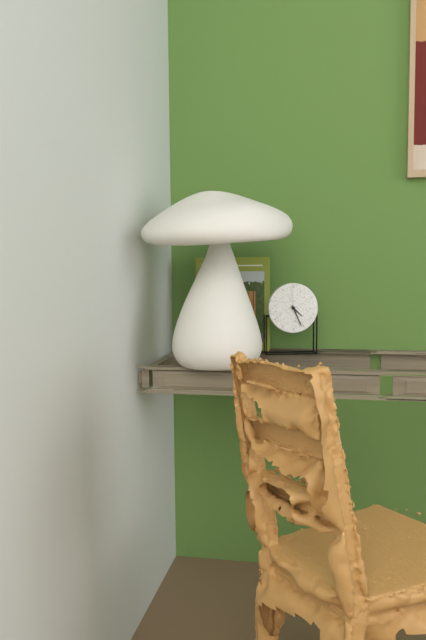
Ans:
h=4 m=26
